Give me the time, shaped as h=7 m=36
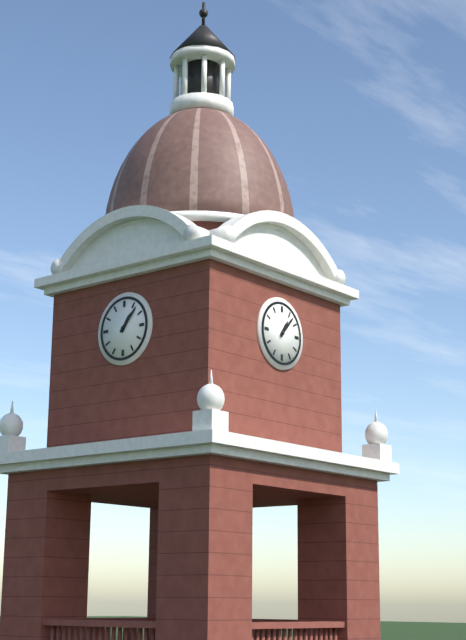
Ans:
h=1 m=7
